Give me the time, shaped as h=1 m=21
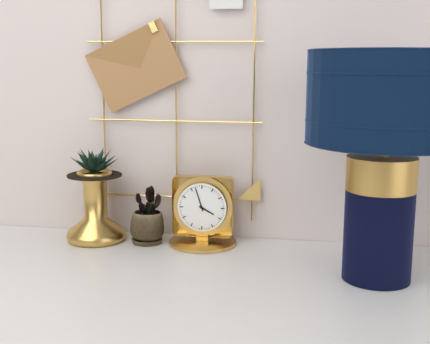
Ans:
h=3 m=57
